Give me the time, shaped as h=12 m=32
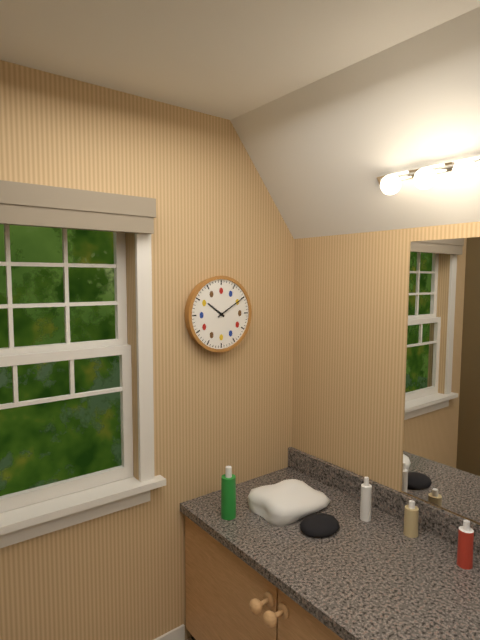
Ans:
h=10 m=10
